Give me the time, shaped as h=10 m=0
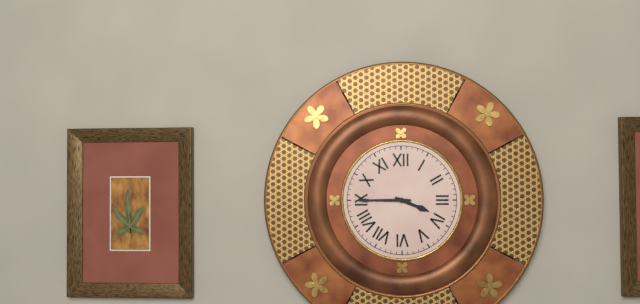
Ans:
h=3 m=45
